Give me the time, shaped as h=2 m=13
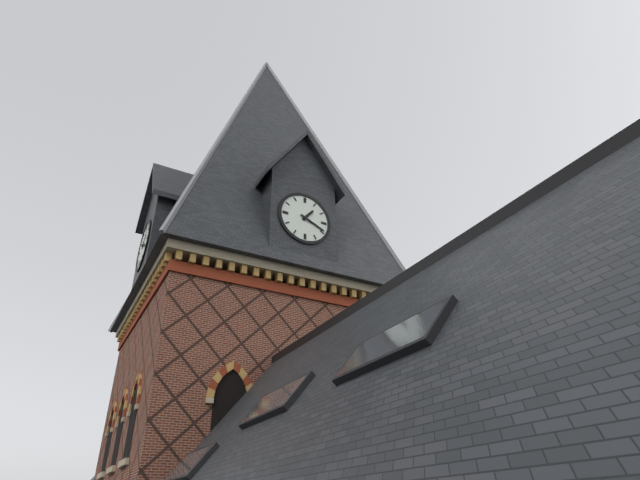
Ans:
h=1 m=19
